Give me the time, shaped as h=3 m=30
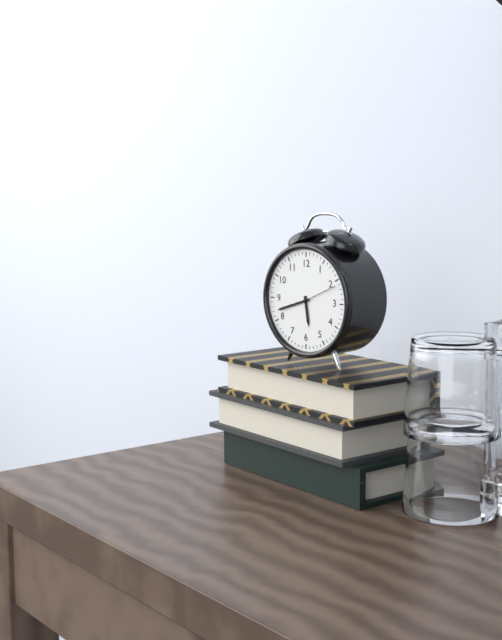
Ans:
h=5 m=42
